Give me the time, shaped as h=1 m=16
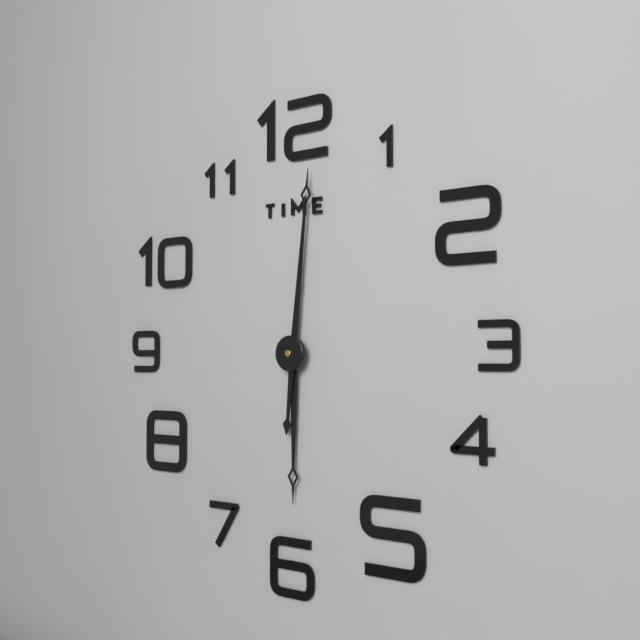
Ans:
h=6 m=1
